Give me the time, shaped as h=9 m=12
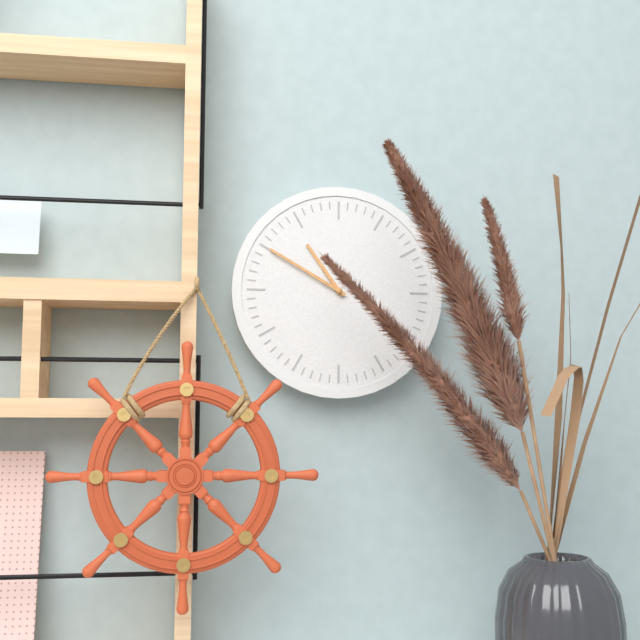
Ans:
h=10 m=50
